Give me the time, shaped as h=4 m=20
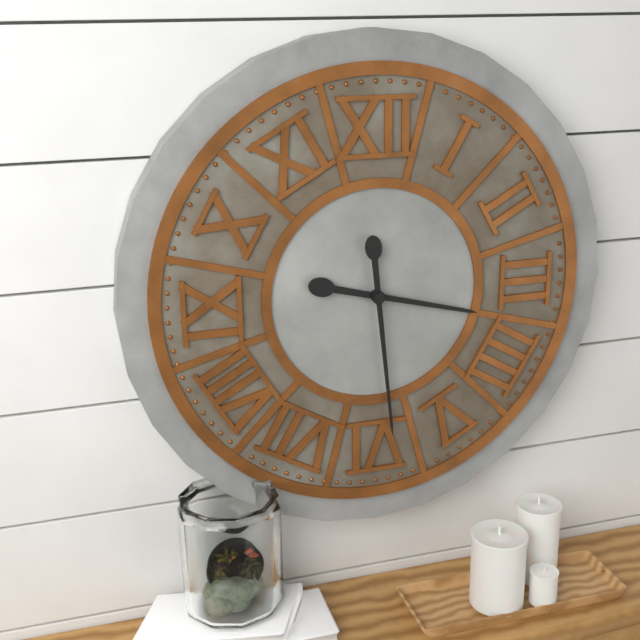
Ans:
h=3 m=29
